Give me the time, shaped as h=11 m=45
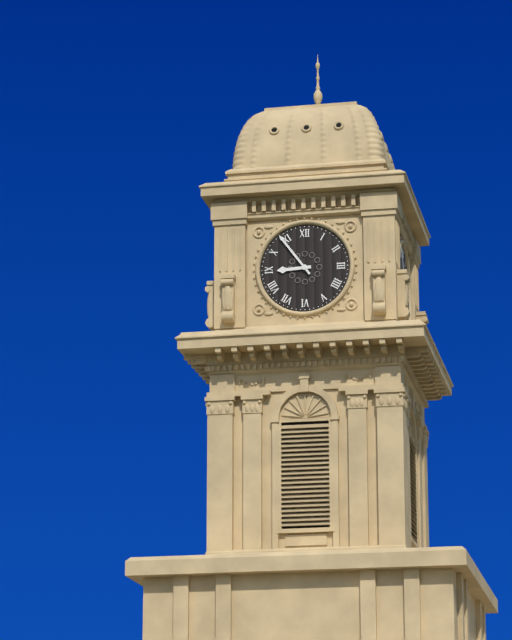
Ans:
h=8 m=54
